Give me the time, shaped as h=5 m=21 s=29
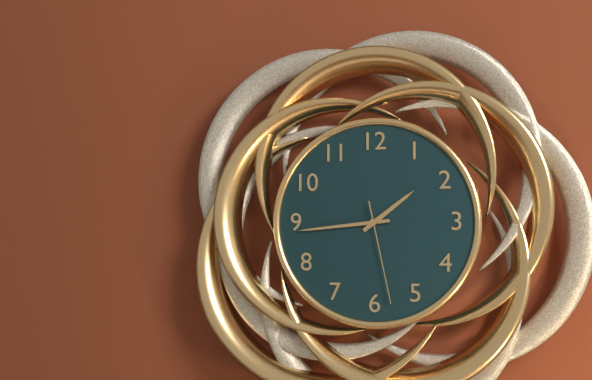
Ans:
h=1 m=44 s=28
